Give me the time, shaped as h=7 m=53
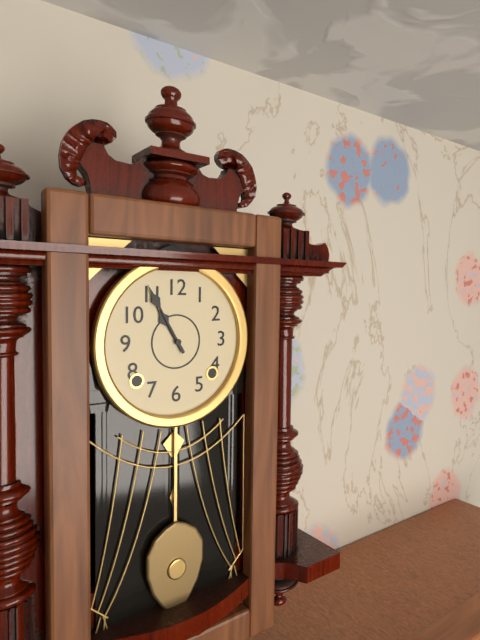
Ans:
h=10 m=55
